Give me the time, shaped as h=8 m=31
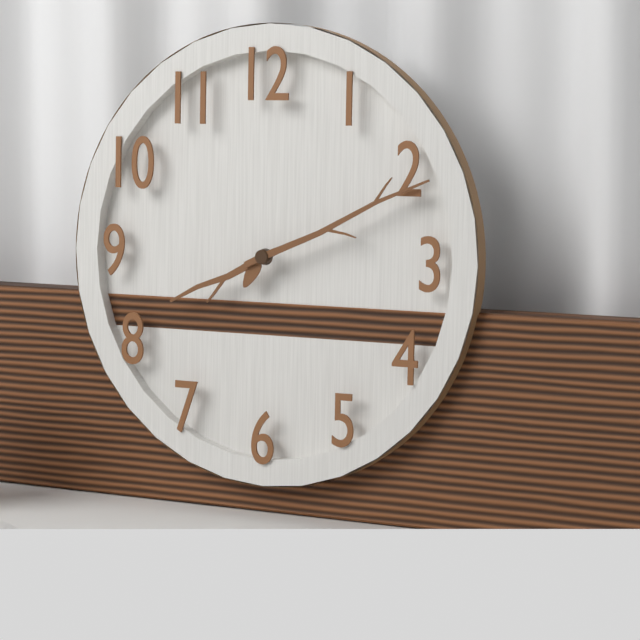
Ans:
h=8 m=11
